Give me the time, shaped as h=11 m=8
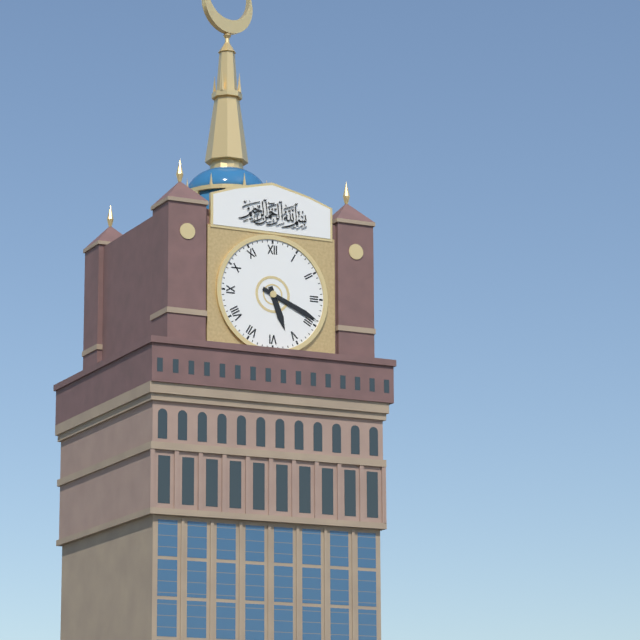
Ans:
h=5 m=19
